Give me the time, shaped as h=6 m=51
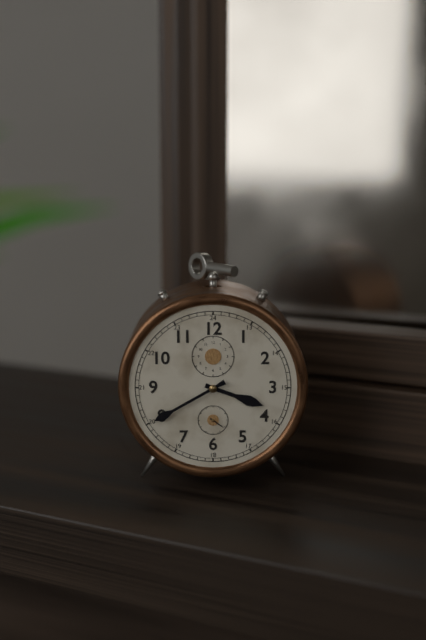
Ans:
h=3 m=40
